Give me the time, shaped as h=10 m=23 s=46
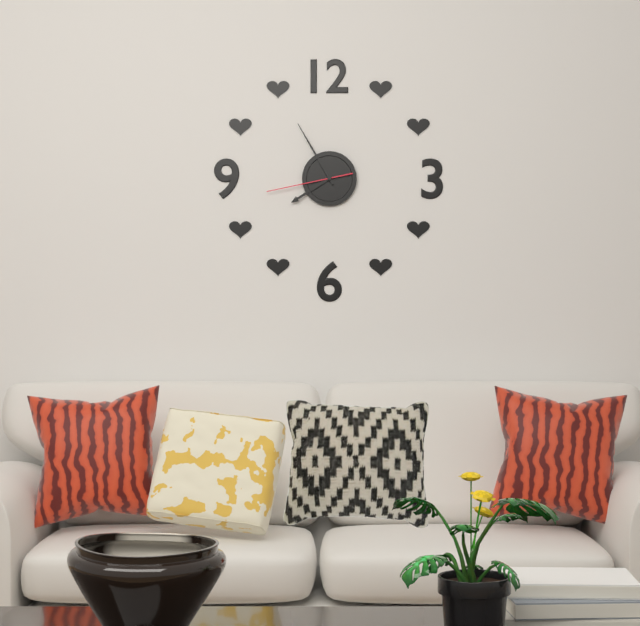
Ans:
h=7 m=55 s=43
